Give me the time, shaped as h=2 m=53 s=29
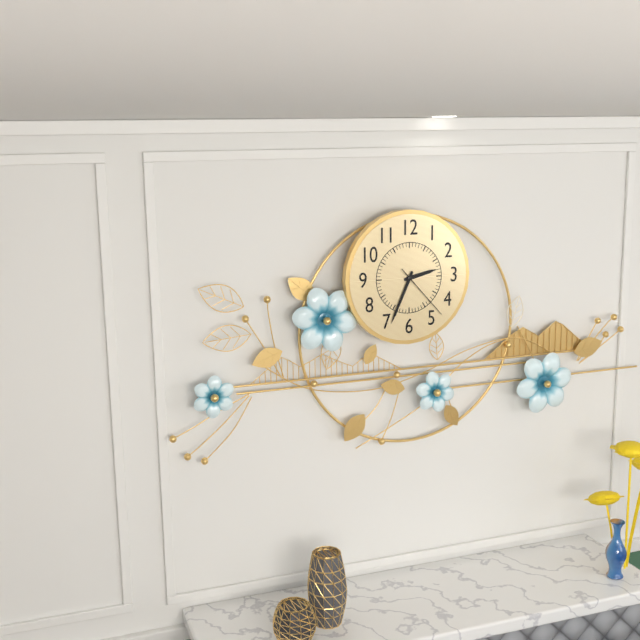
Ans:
h=2 m=34 s=23
